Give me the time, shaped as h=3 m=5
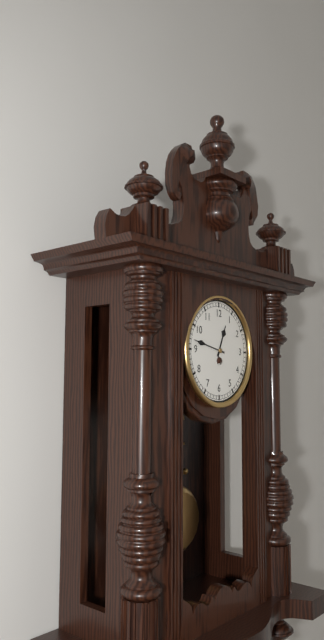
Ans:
h=12 m=47
